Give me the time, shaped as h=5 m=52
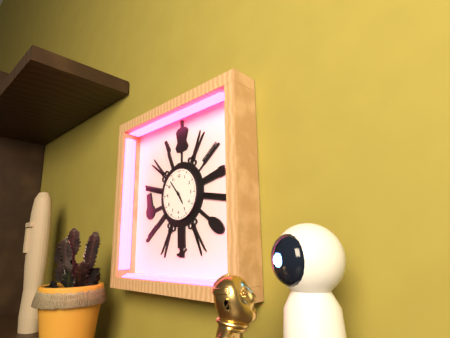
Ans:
h=4 m=53
